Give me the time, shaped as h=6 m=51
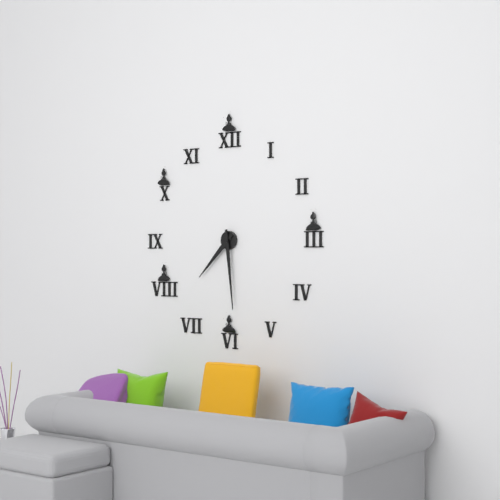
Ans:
h=7 m=29
